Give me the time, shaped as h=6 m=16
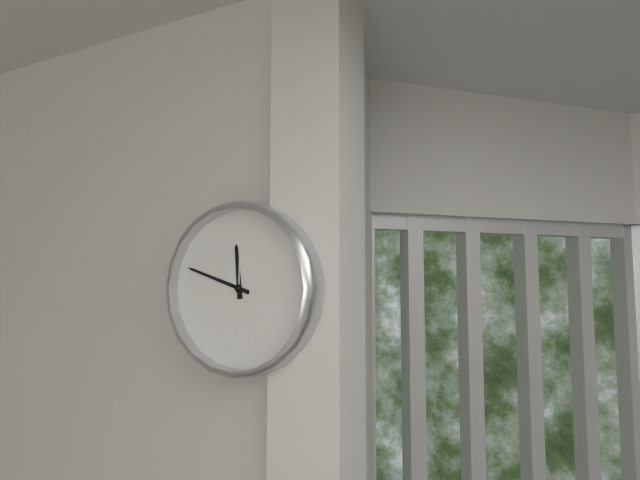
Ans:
h=11 m=48
